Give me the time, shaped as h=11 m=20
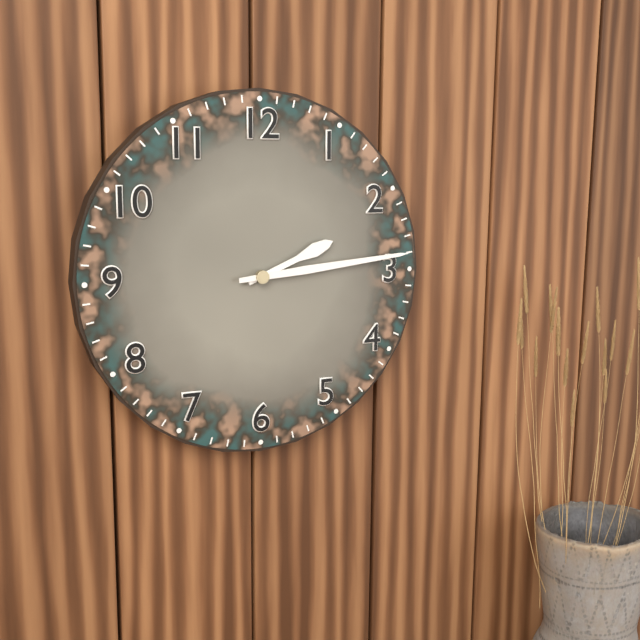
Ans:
h=2 m=14
